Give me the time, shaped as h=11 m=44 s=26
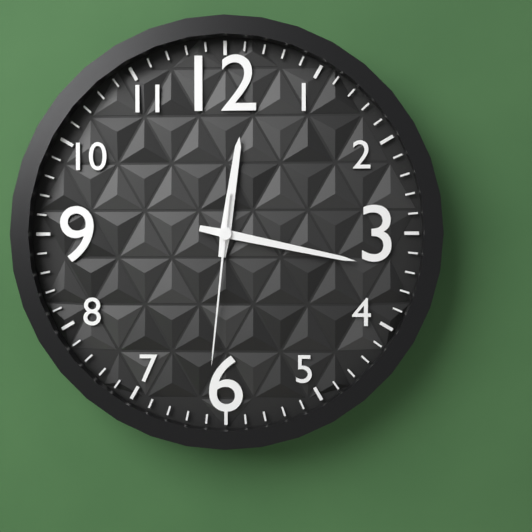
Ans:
h=12 m=17 s=31
